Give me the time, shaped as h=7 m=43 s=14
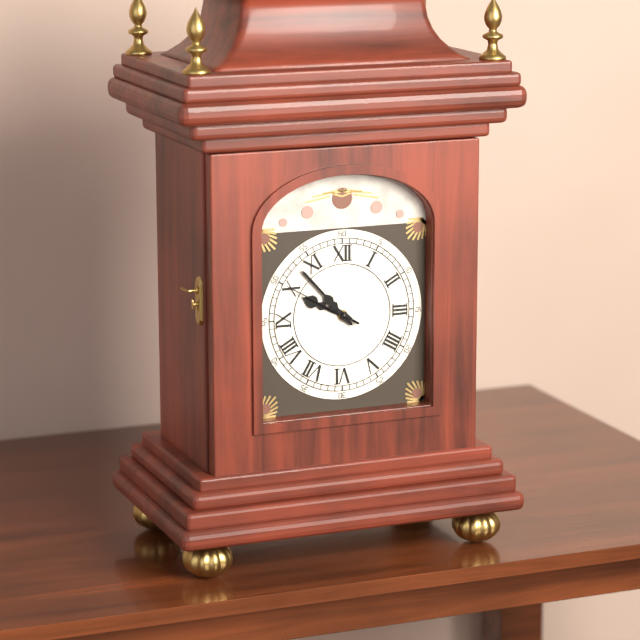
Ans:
h=9 m=53 s=50
